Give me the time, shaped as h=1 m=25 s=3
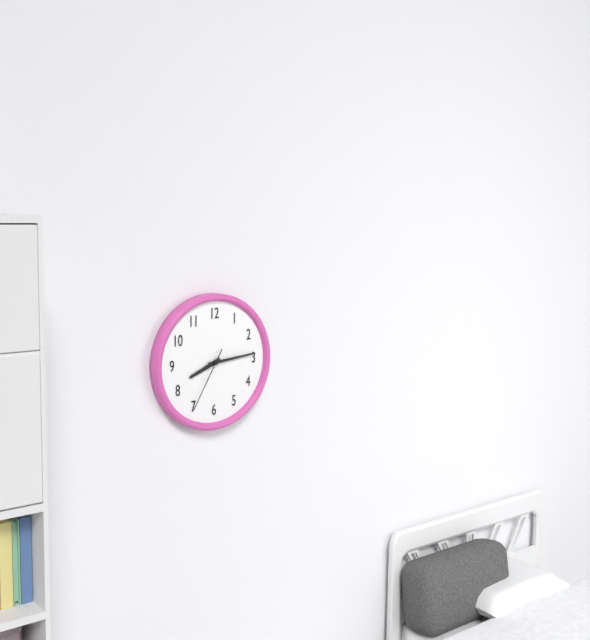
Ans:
h=8 m=14 s=35
